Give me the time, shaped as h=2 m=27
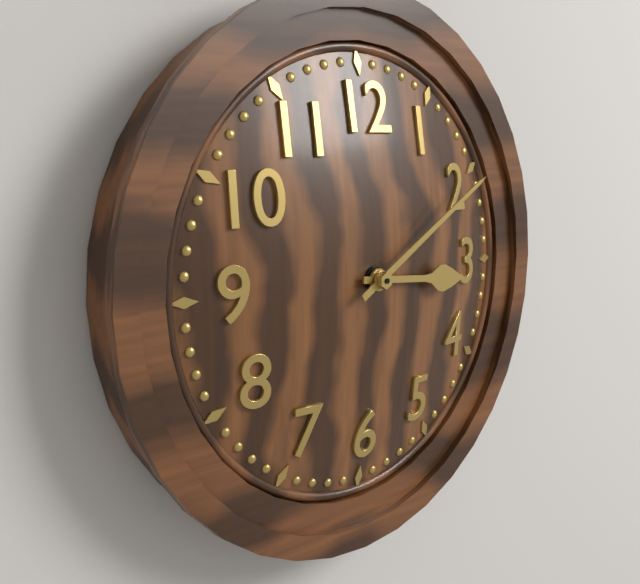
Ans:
h=3 m=10
